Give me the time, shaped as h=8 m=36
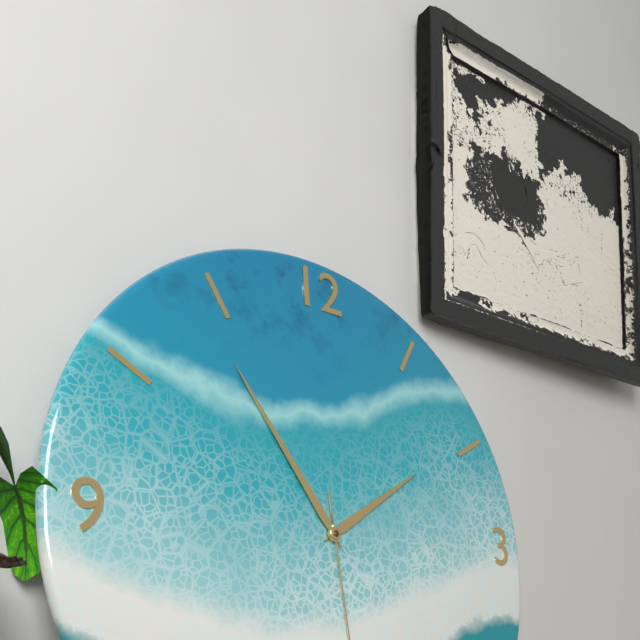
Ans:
h=1 m=54
